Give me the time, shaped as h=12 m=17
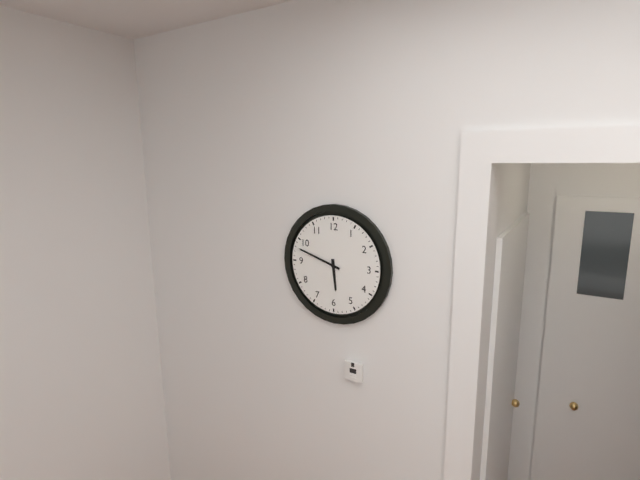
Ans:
h=5 m=48
